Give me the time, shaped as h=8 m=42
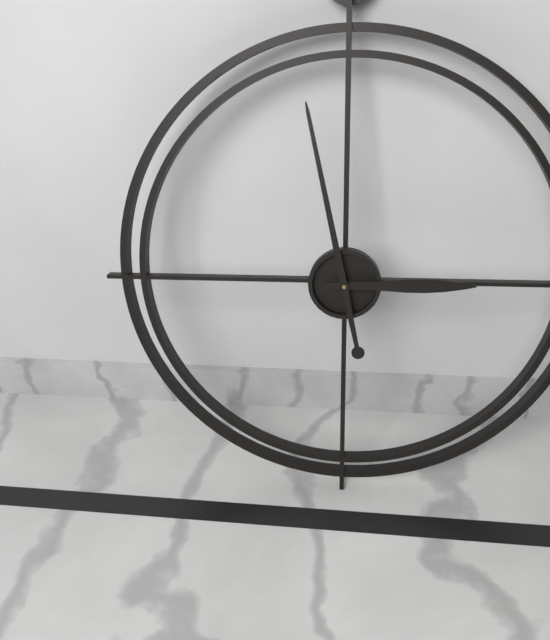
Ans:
h=2 m=58
